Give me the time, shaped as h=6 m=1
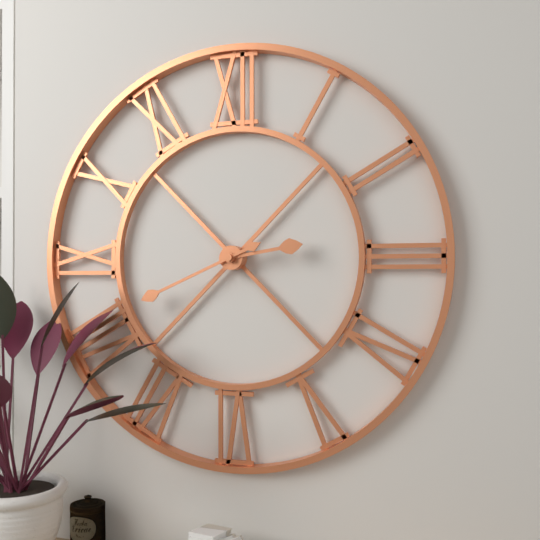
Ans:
h=2 m=41
